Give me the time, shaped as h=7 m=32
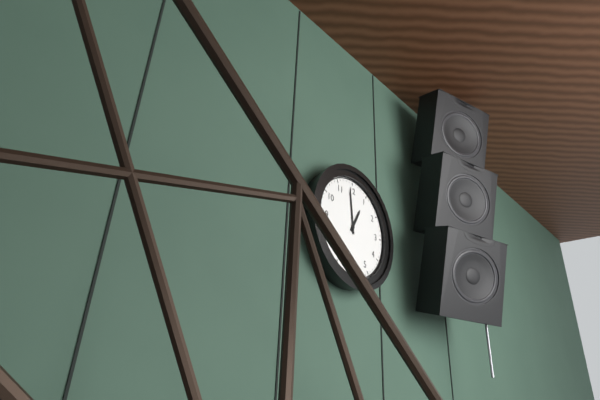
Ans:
h=12 m=59
